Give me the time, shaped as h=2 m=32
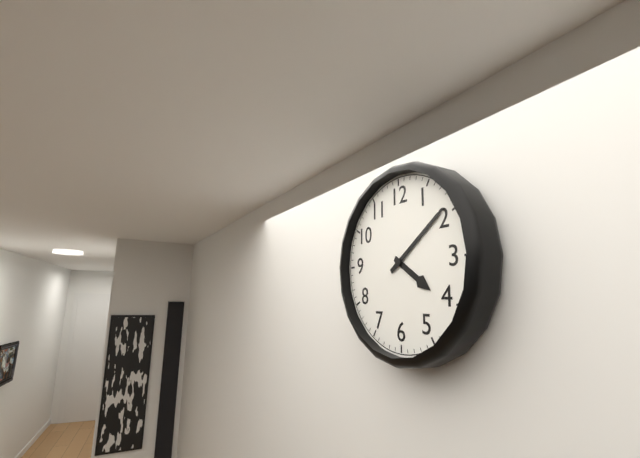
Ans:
h=4 m=9
